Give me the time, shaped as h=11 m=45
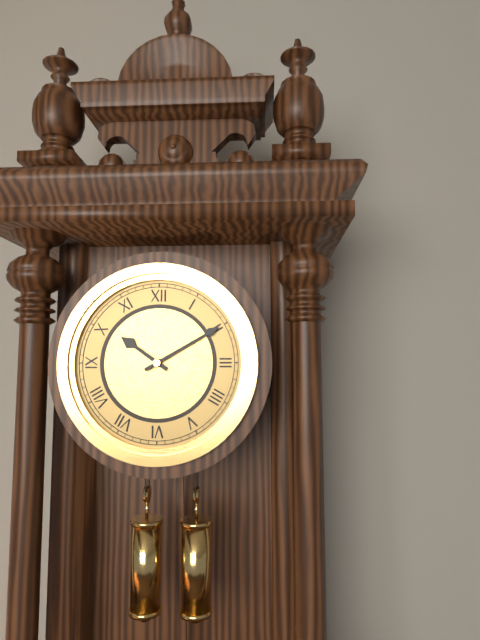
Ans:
h=10 m=10
